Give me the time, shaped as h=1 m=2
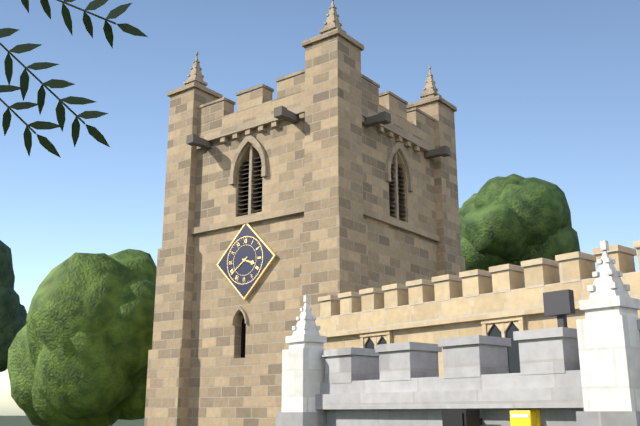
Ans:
h=3 m=39
